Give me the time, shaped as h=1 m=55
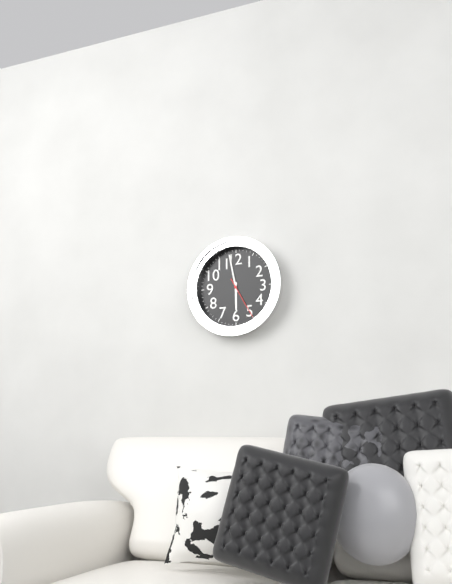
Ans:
h=5 m=58
